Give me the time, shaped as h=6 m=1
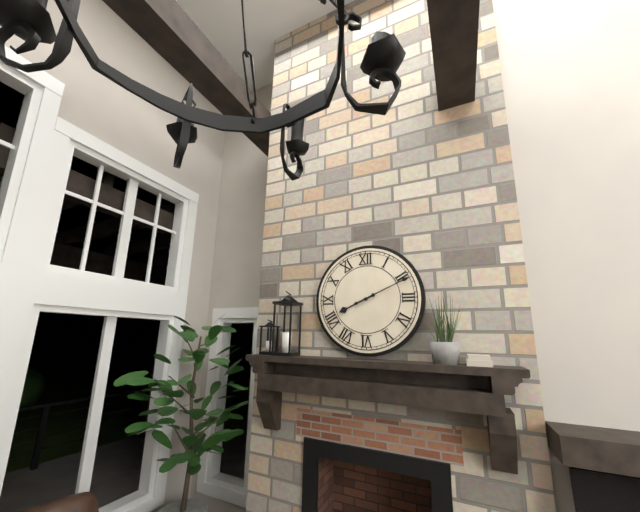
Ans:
h=8 m=11
